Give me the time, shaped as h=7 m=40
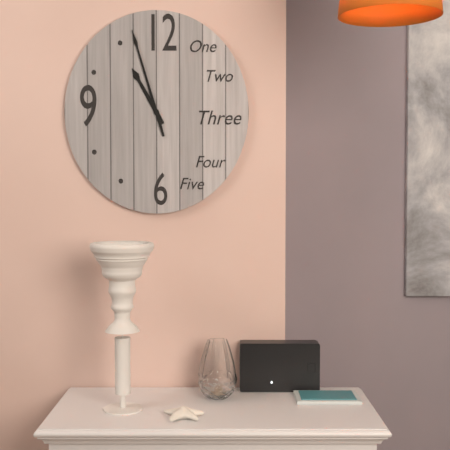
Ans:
h=10 m=57
